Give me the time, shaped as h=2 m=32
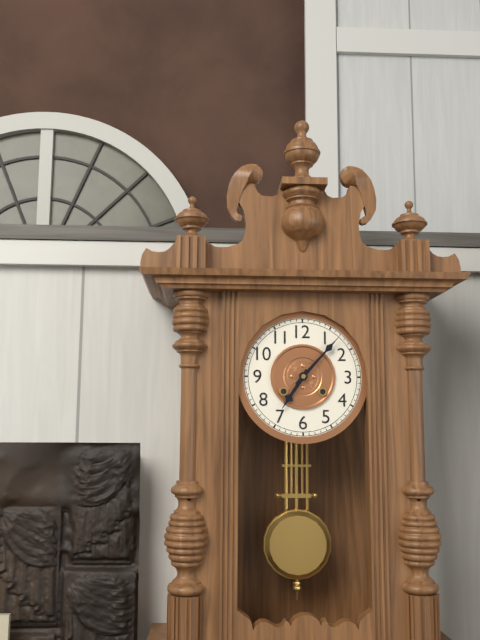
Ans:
h=7 m=7
